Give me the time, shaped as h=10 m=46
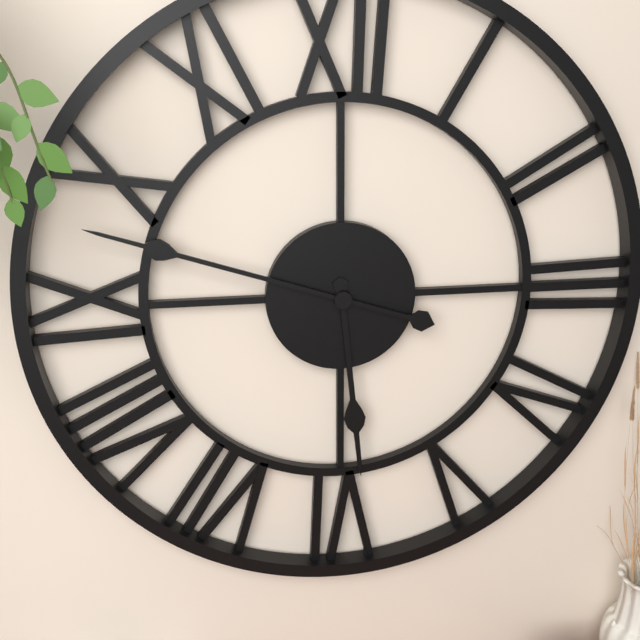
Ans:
h=5 m=48
